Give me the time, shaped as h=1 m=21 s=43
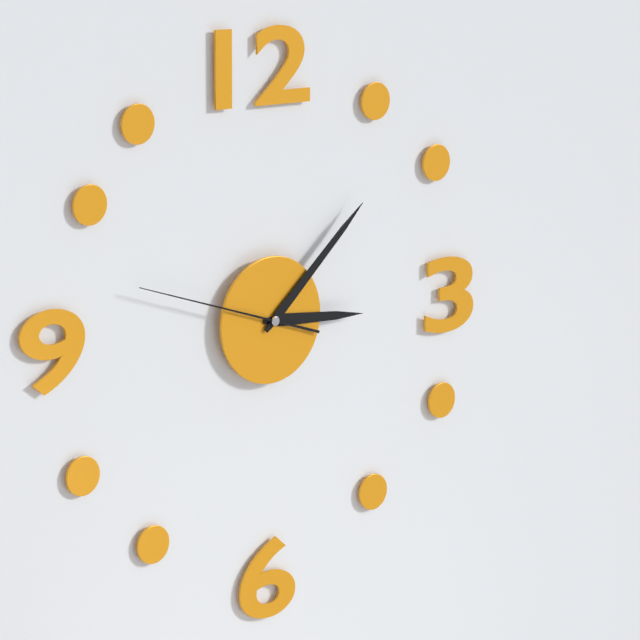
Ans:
h=3 m=8 s=48
